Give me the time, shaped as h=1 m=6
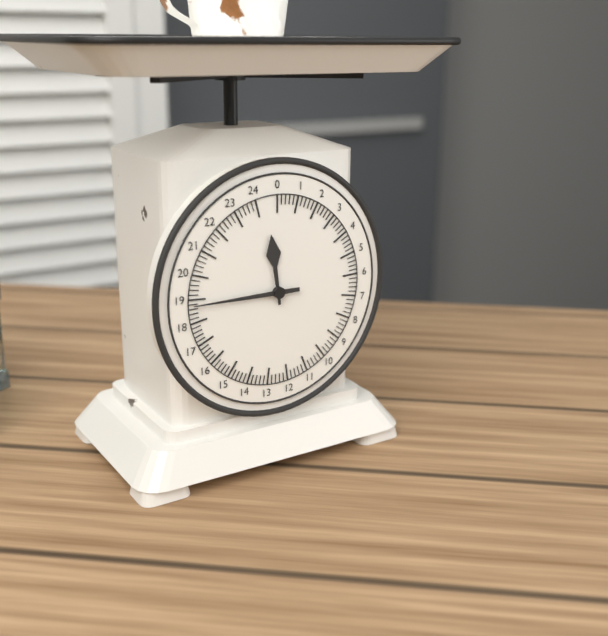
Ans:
h=11 m=45
